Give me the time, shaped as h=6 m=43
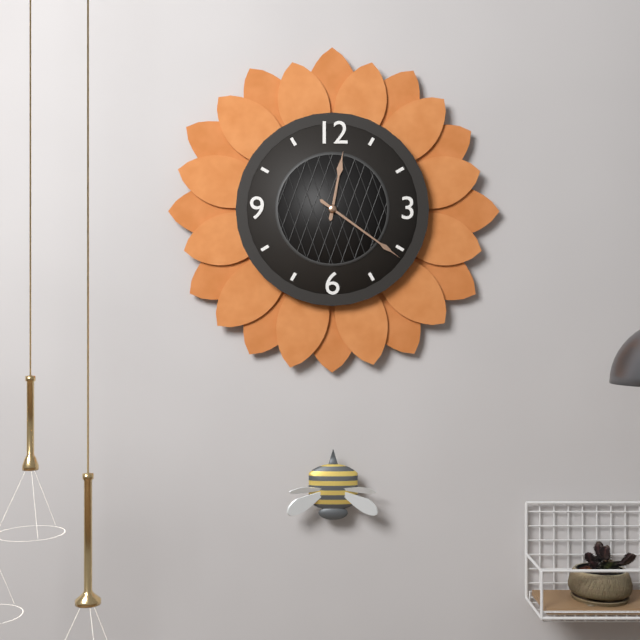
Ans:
h=12 m=21
